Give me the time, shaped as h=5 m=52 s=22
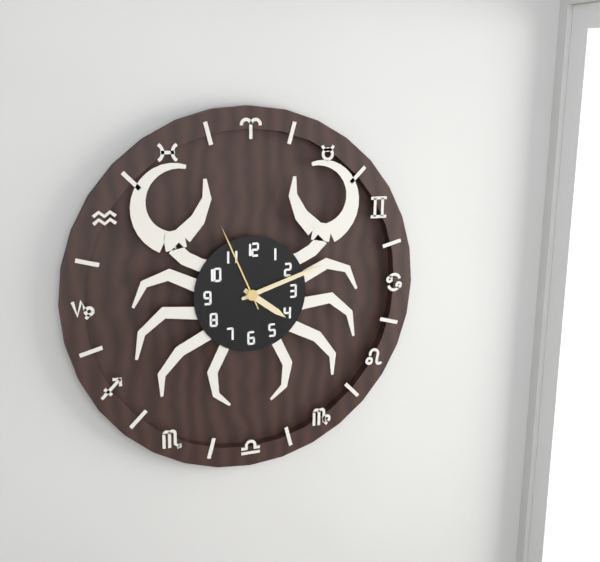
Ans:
h=4 m=12 s=56
